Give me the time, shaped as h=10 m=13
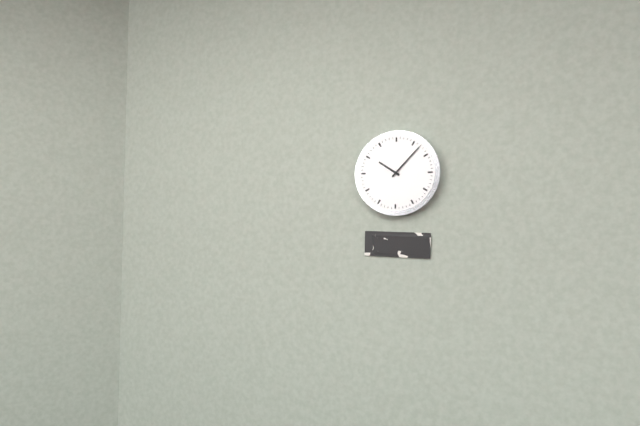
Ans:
h=10 m=7
